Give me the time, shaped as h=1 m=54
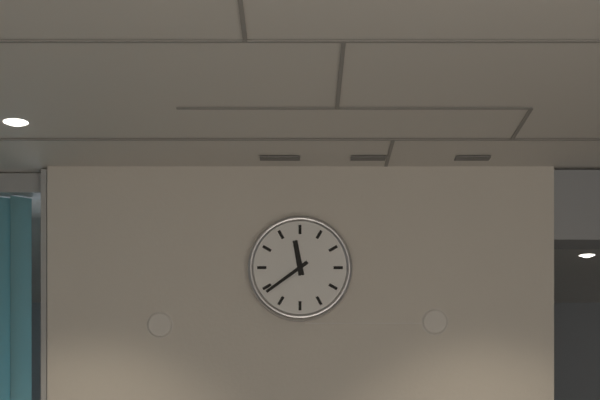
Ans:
h=11 m=39
